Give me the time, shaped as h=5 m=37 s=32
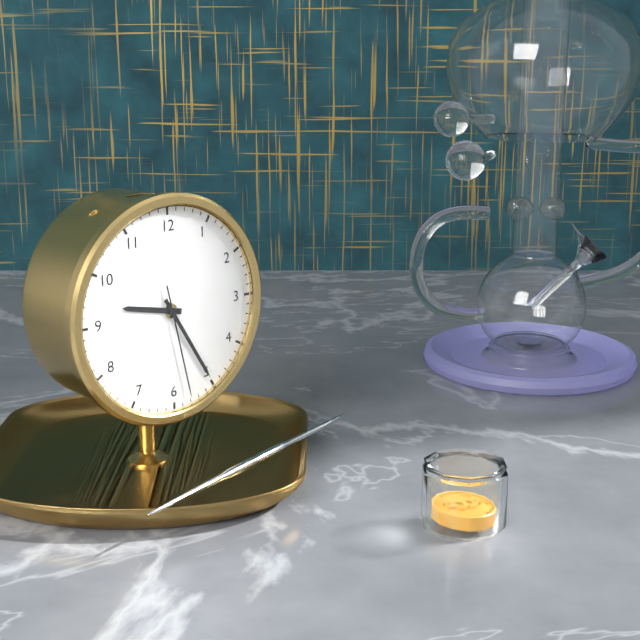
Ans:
h=9 m=25 s=28
